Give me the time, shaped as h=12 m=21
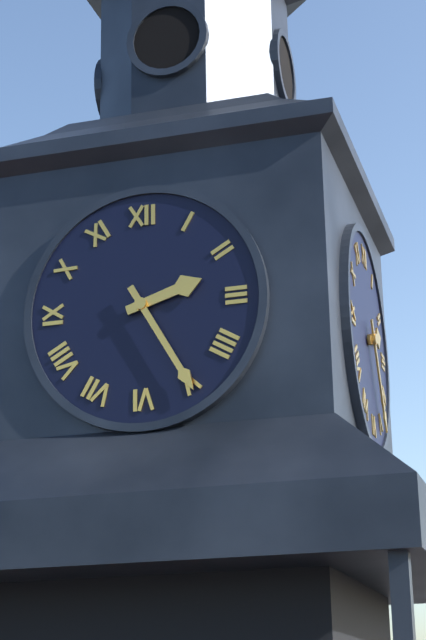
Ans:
h=2 m=25
